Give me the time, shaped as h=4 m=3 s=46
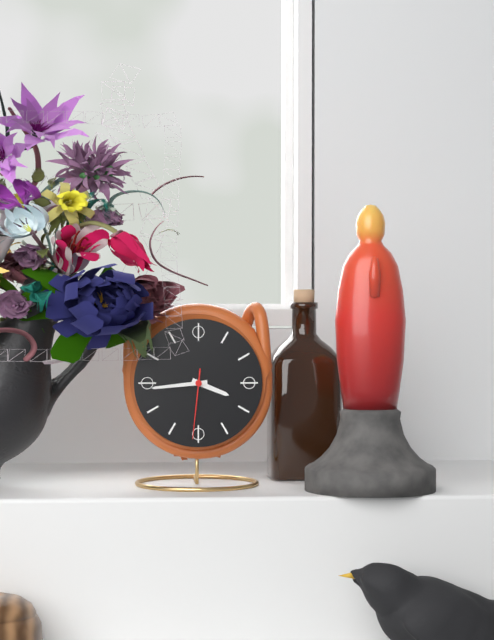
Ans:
h=3 m=44 s=31
